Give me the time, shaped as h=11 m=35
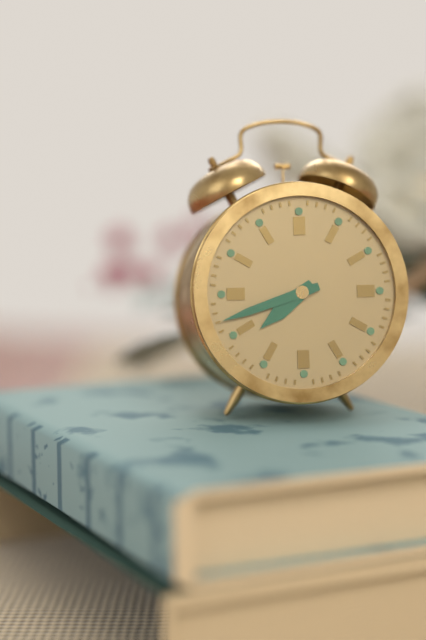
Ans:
h=7 m=42
